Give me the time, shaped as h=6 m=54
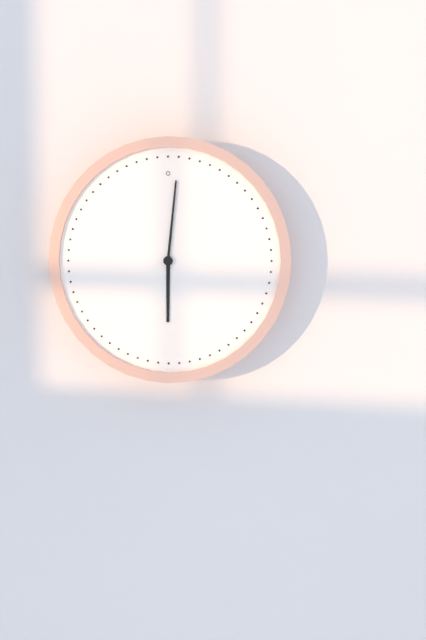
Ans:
h=6 m=1
